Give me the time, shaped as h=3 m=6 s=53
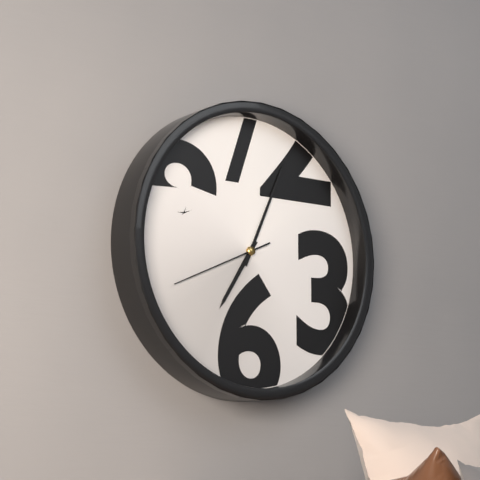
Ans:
h=7 m=4 s=41
